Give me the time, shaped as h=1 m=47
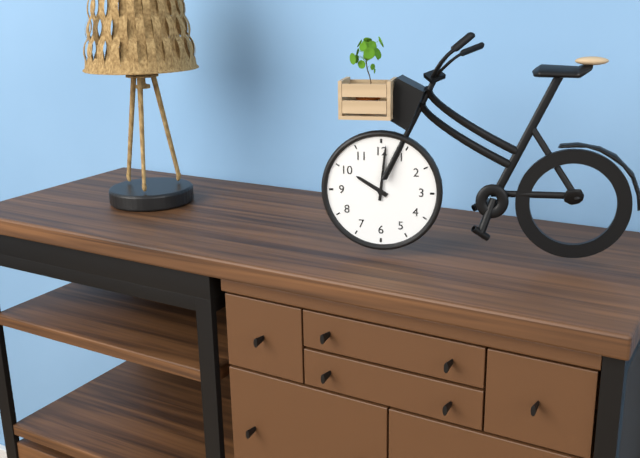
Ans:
h=10 m=1
